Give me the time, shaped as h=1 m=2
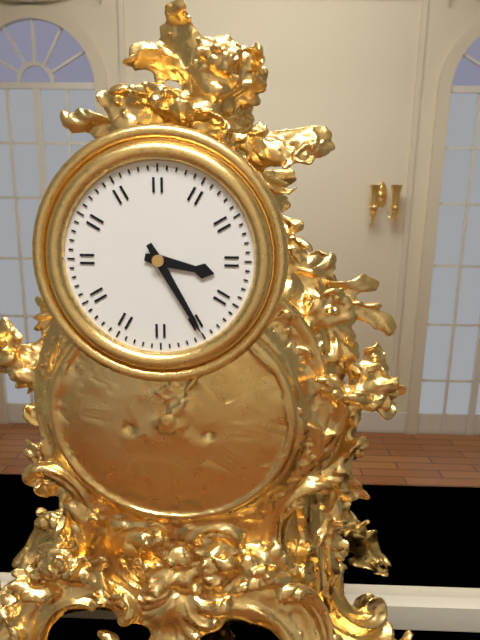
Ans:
h=3 m=25
